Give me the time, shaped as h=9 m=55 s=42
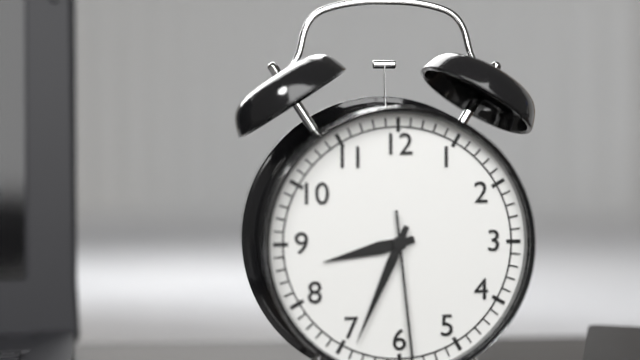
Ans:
h=8 m=34 s=29
